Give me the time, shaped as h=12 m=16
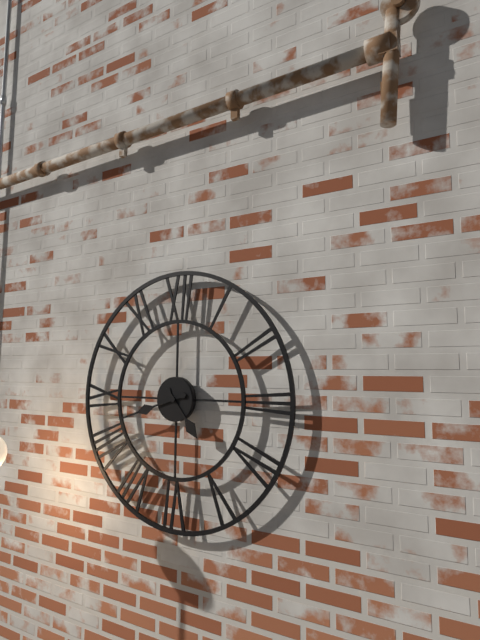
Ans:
h=4 m=42
